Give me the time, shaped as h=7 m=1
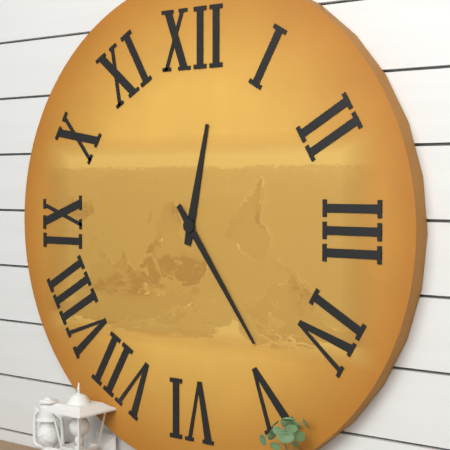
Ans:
h=12 m=24
